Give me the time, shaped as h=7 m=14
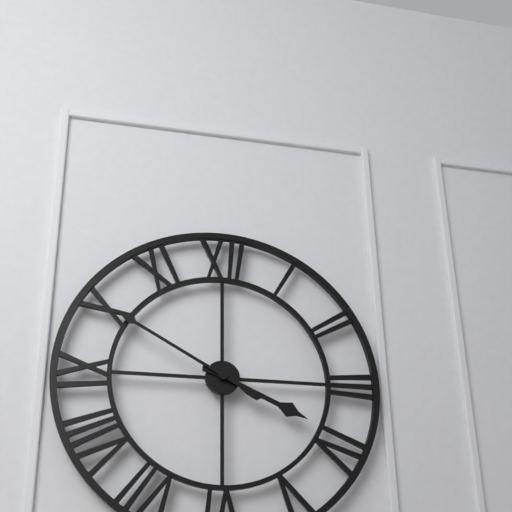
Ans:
h=3 m=50
